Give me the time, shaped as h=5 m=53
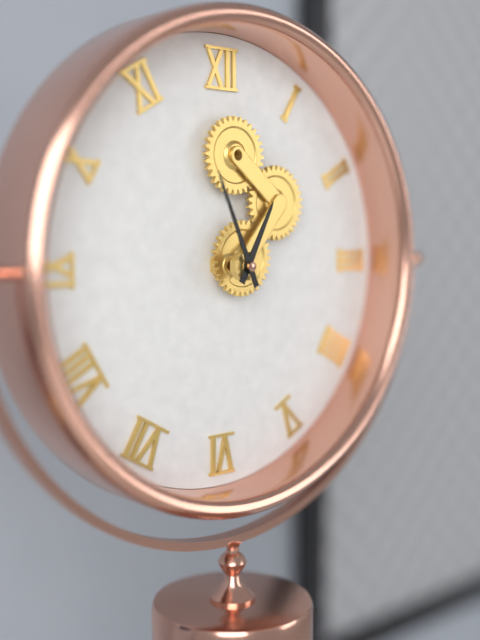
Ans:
h=12 m=56
